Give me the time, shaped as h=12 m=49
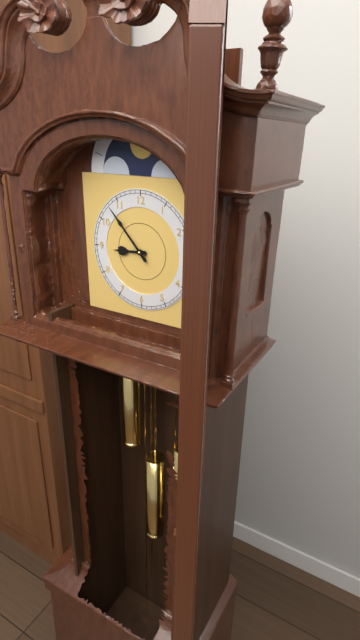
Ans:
h=8 m=53
